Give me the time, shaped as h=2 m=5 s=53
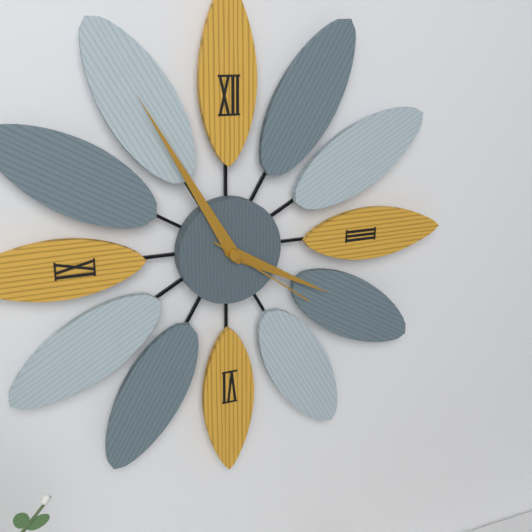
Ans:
h=3 m=55 s=21
